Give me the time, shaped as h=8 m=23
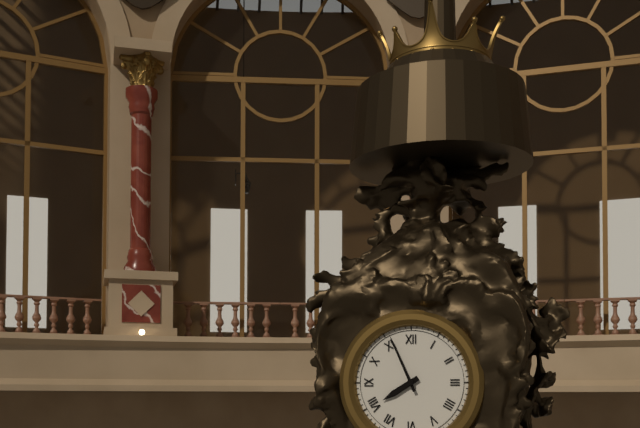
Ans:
h=7 m=56
